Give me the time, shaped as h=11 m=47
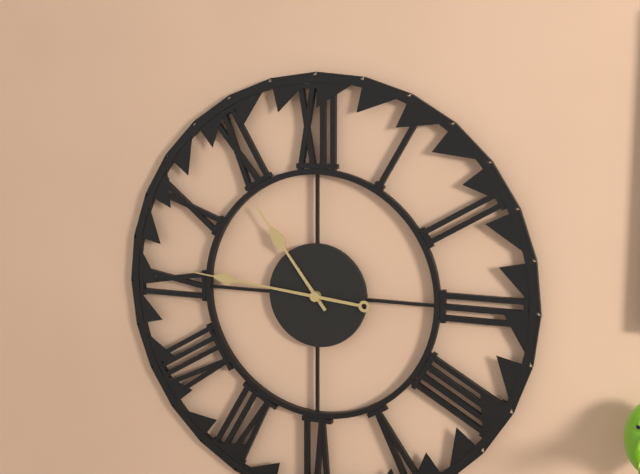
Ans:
h=10 m=46
